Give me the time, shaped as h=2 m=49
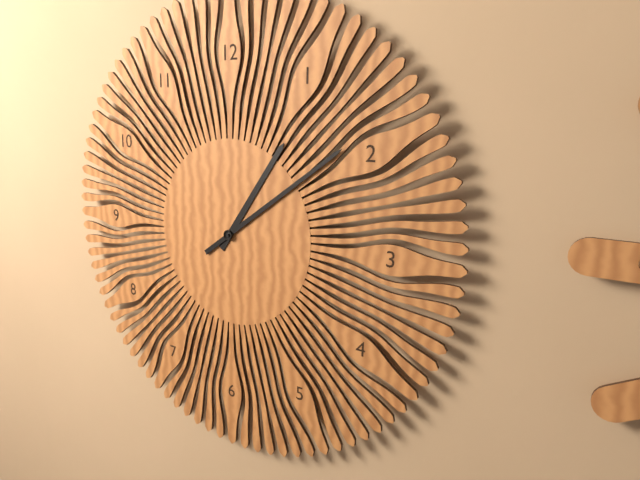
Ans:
h=1 m=9
